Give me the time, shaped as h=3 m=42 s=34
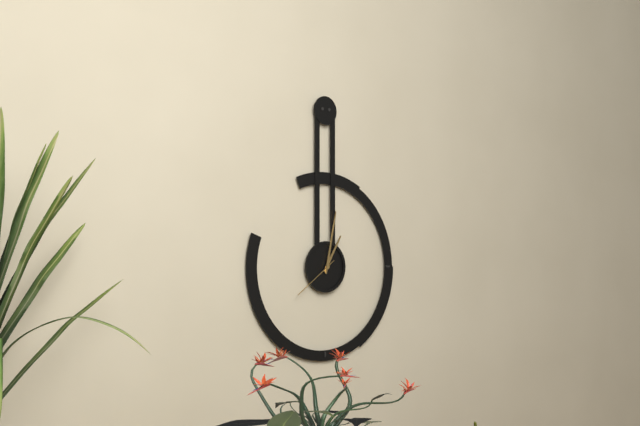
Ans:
h=1 m=2 s=39
